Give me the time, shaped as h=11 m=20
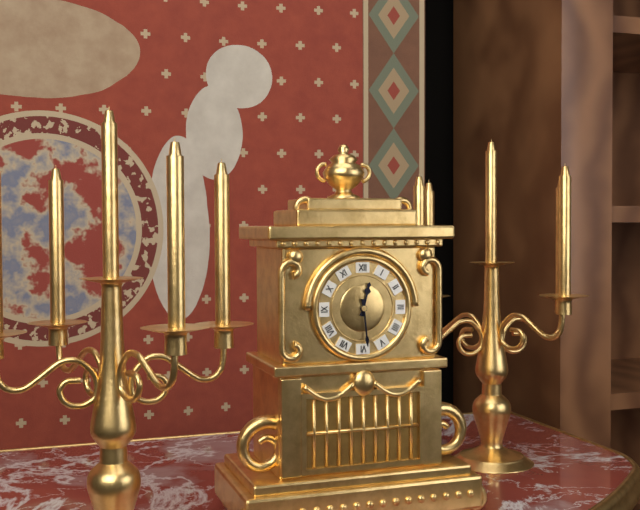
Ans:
h=12 m=29
